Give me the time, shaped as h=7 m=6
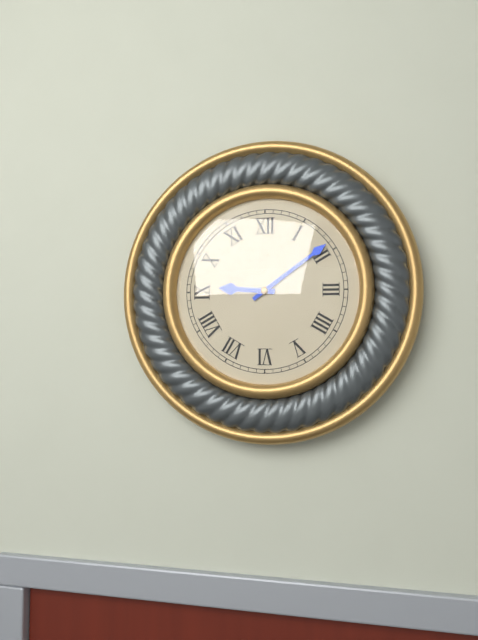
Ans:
h=9 m=9
